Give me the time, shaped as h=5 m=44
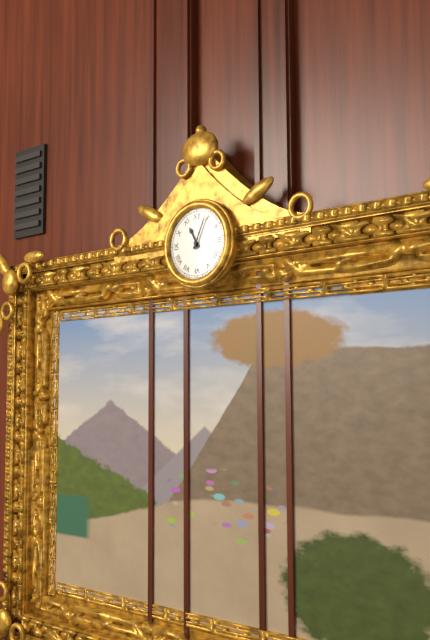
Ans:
h=11 m=4
